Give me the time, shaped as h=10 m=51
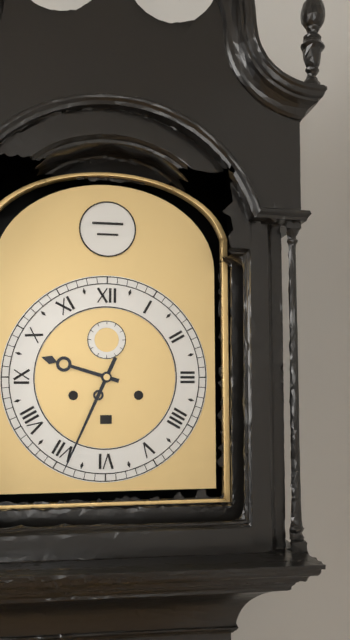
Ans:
h=9 m=34
